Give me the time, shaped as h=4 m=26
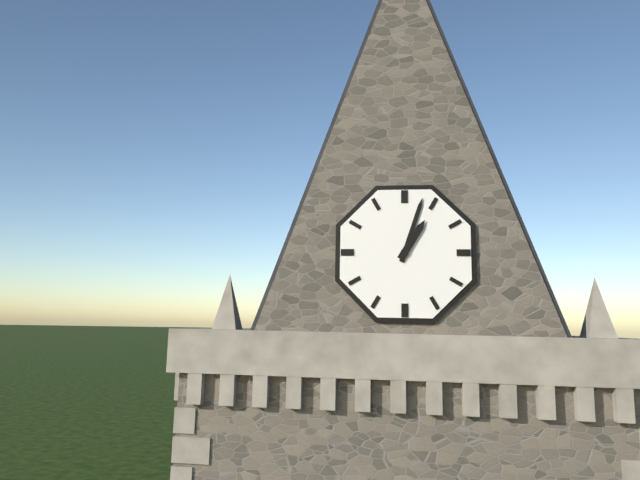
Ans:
h=1 m=3
